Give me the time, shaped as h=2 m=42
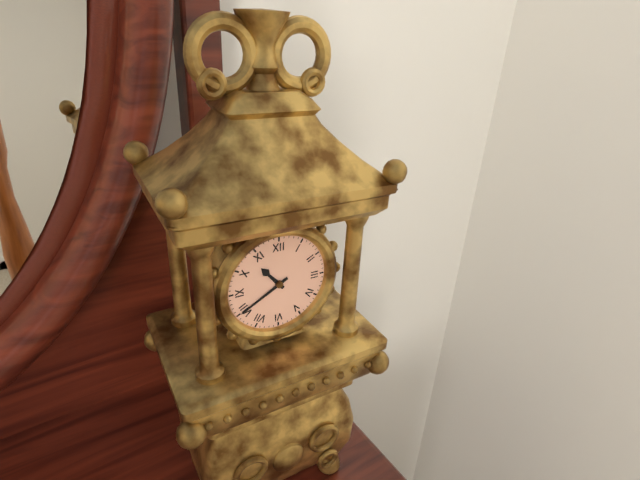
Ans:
h=10 m=40
